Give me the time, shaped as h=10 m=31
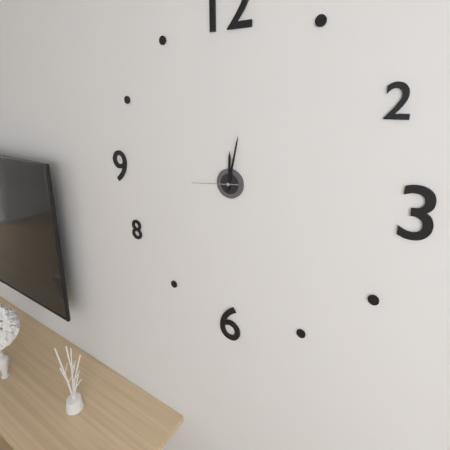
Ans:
h=12 m=2
